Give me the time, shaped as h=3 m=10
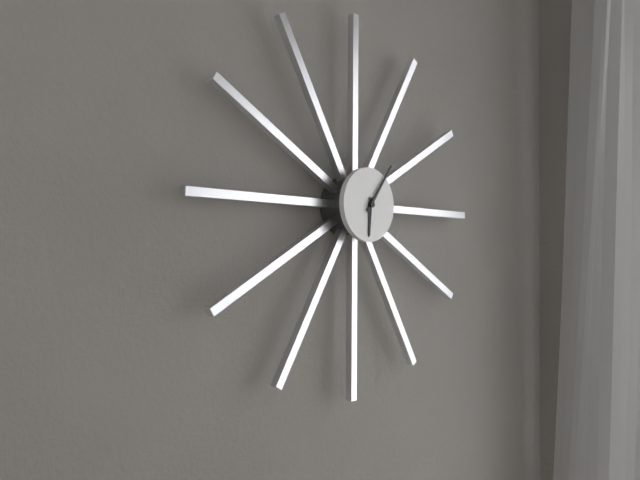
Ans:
h=6 m=6
